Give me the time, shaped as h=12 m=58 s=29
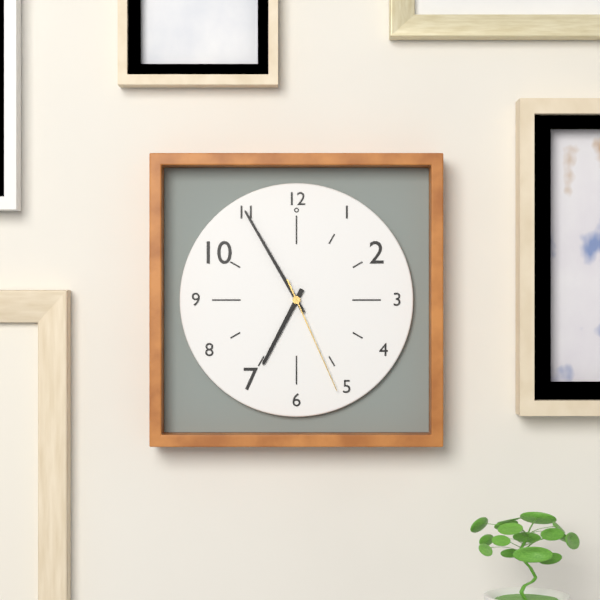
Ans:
h=6 m=55 s=26
